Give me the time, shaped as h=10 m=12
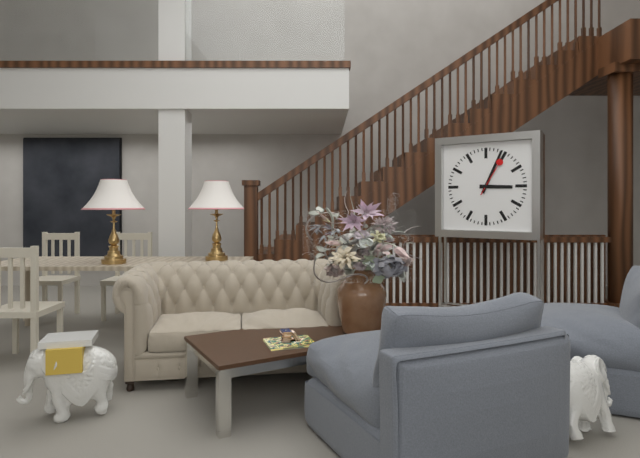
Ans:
h=3 m=4
